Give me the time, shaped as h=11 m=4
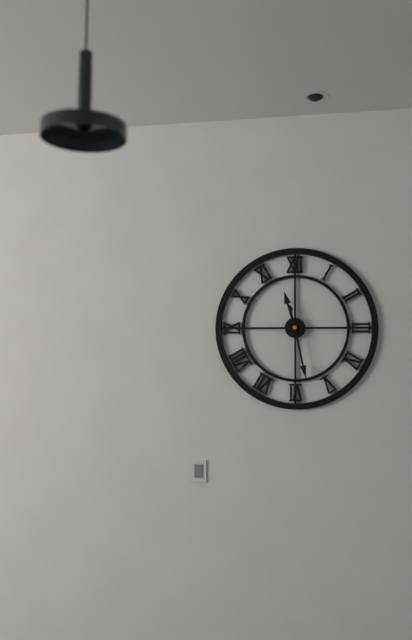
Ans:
h=11 m=28
